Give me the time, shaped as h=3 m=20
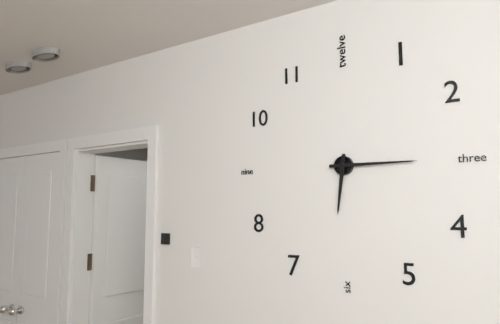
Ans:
h=6 m=15
